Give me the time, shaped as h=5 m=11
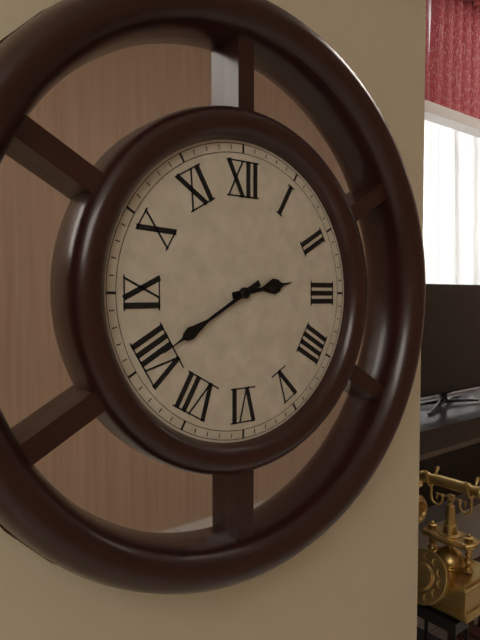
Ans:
h=2 m=40
